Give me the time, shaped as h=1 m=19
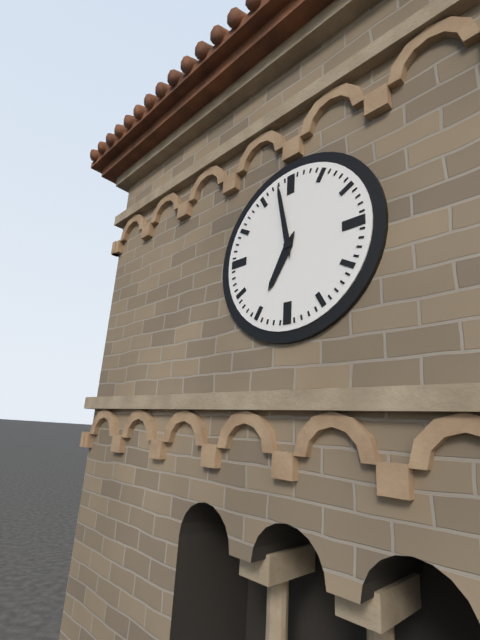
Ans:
h=6 m=58
